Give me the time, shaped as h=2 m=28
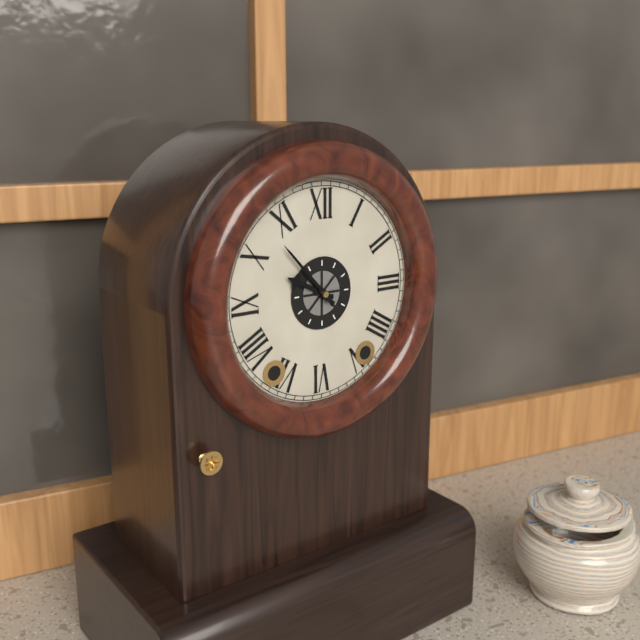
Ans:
h=9 m=53
